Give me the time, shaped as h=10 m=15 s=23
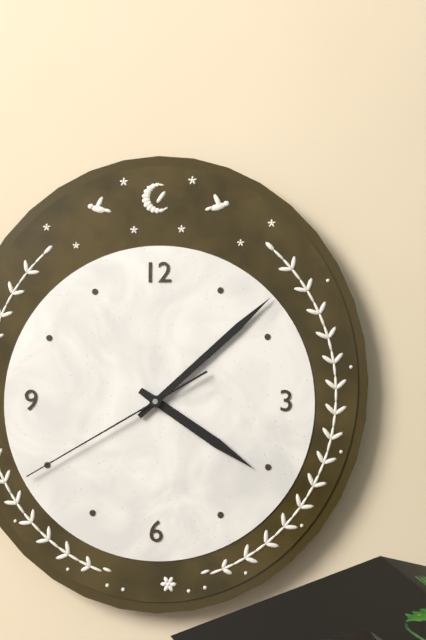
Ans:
h=4 m=8 s=40
